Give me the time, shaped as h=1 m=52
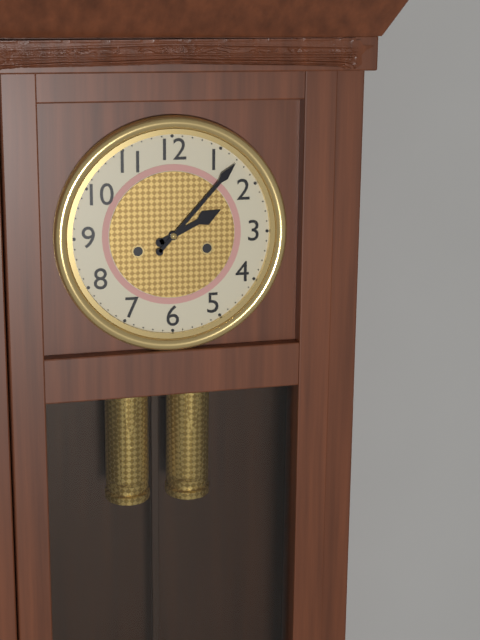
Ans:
h=2 m=7
